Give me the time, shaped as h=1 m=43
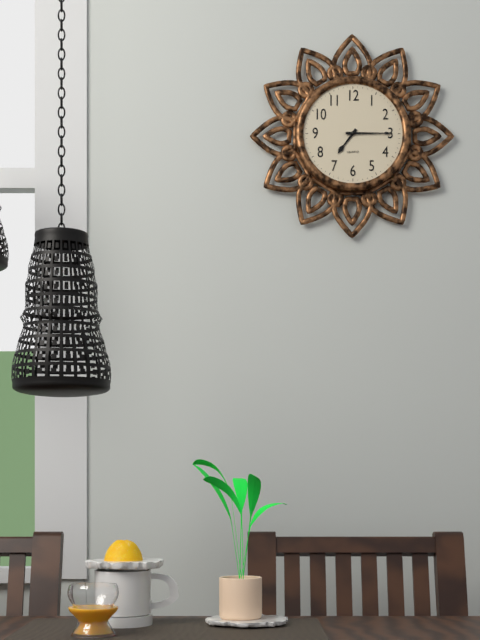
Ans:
h=7 m=15
